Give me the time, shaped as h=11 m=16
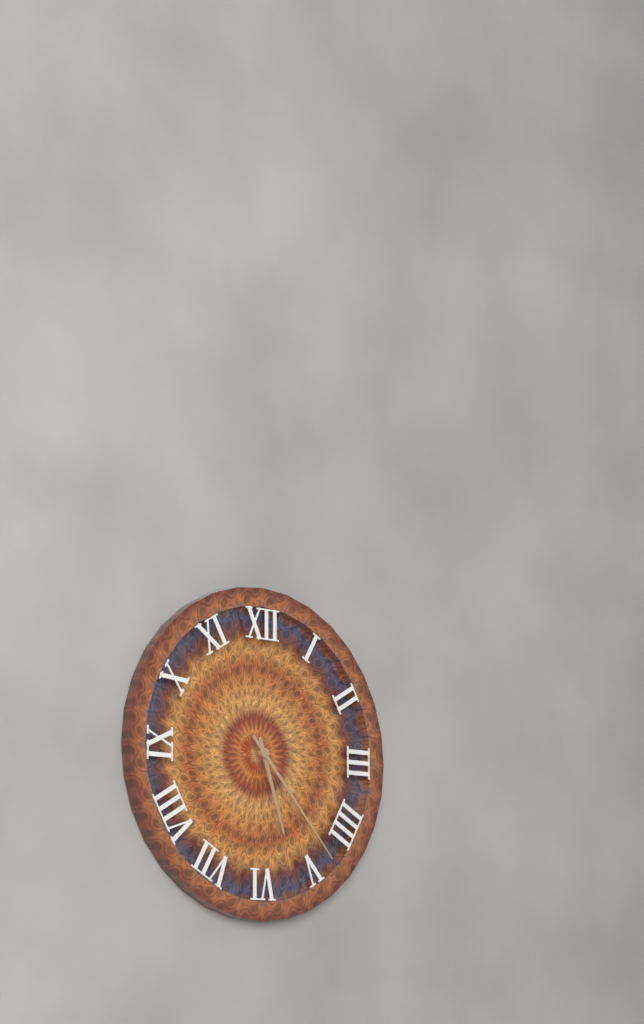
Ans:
h=5 m=23
